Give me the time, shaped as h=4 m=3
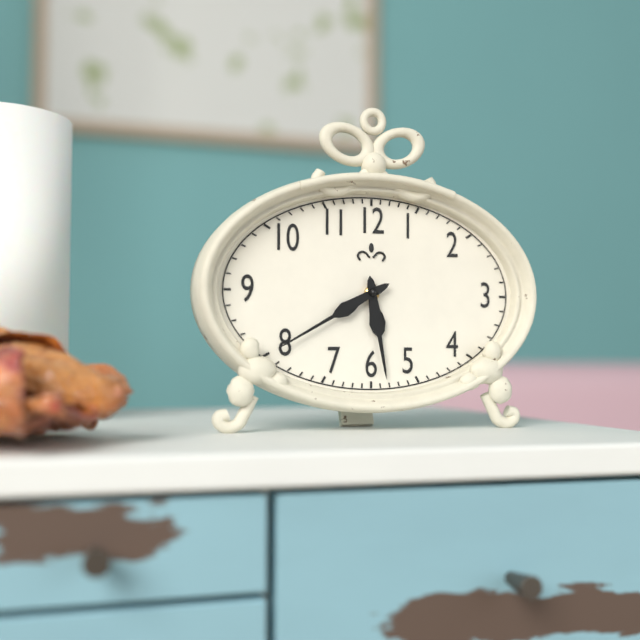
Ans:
h=5 m=40
